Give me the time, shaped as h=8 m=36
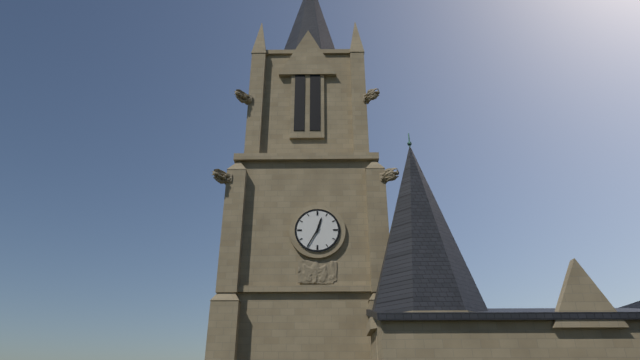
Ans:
h=12 m=35
